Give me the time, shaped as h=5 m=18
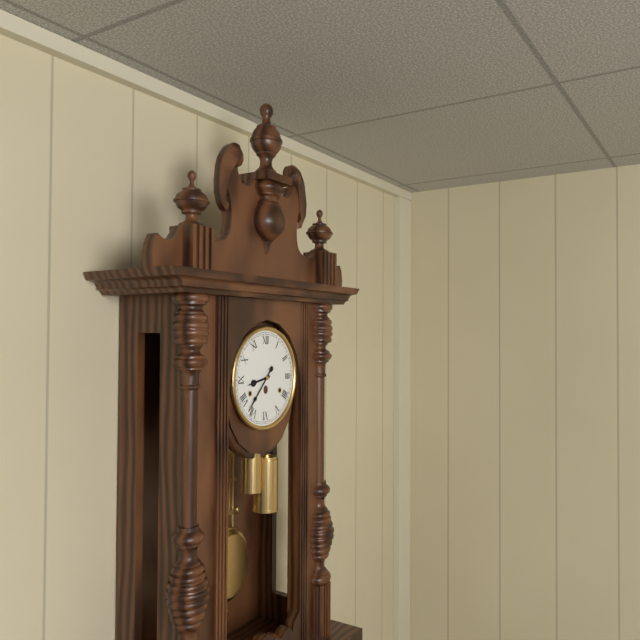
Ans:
h=8 m=37
